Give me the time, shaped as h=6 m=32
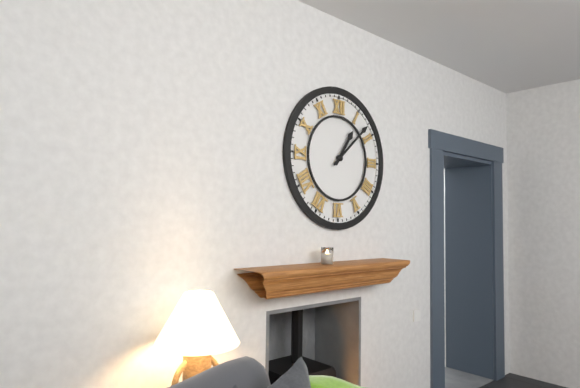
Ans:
h=1 m=8
